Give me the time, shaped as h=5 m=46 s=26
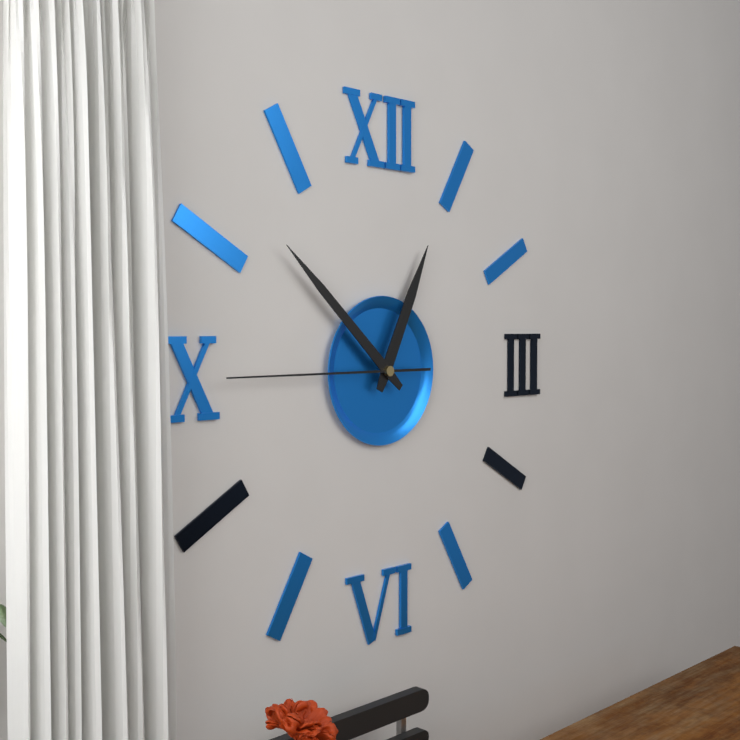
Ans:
h=12 m=52 s=45
